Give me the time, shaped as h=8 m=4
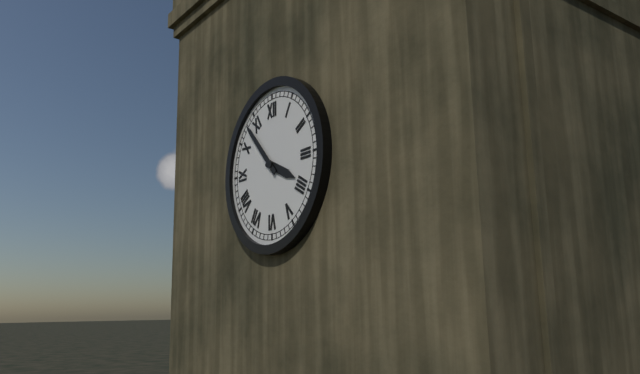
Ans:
h=3 m=53
